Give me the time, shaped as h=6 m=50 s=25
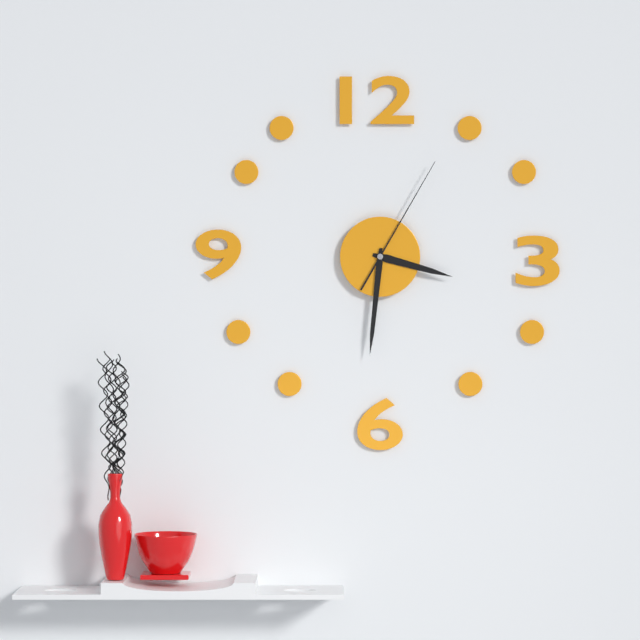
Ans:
h=3 m=31 s=5
